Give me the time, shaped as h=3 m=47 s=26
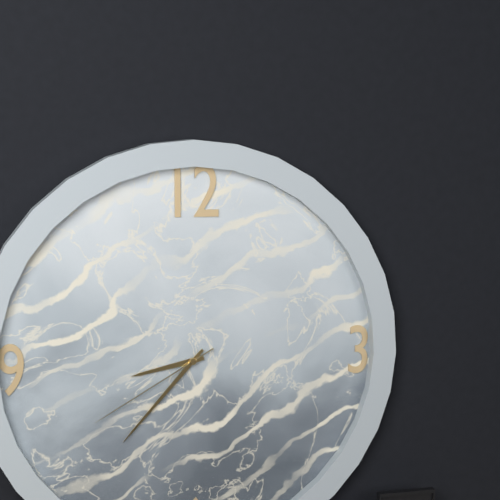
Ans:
h=8 m=37 s=40
